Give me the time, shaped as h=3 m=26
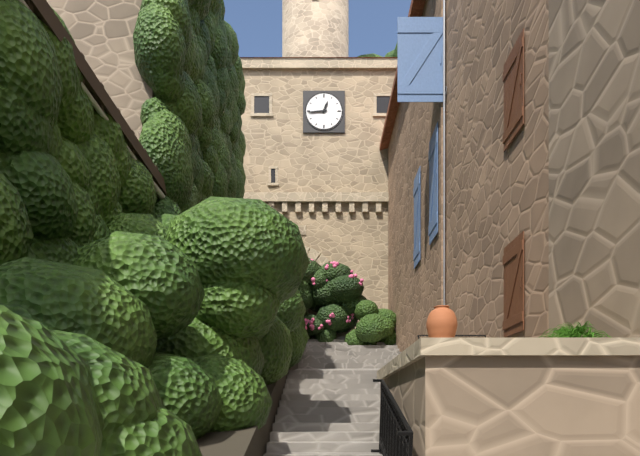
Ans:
h=12 m=44
